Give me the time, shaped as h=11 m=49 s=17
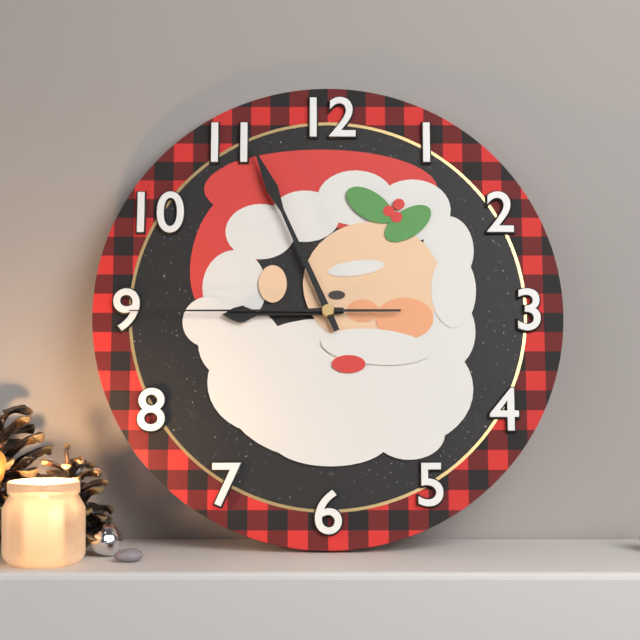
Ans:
h=8 m=56 s=45
